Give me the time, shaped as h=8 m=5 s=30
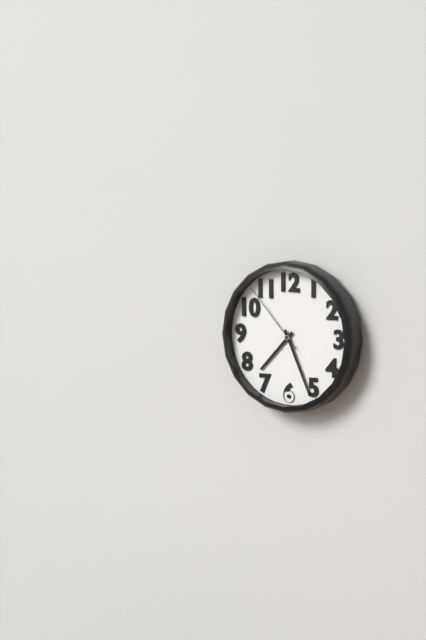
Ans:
h=7 m=26 s=53
